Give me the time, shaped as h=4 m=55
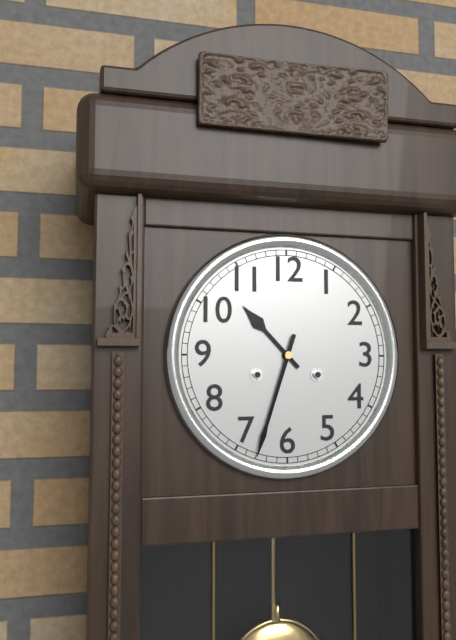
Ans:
h=10 m=33
